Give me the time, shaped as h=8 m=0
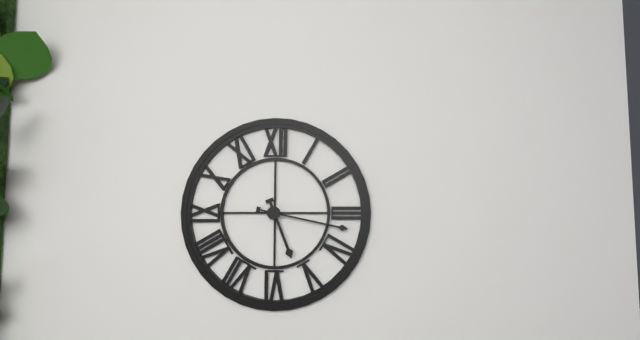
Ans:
h=5 m=17
